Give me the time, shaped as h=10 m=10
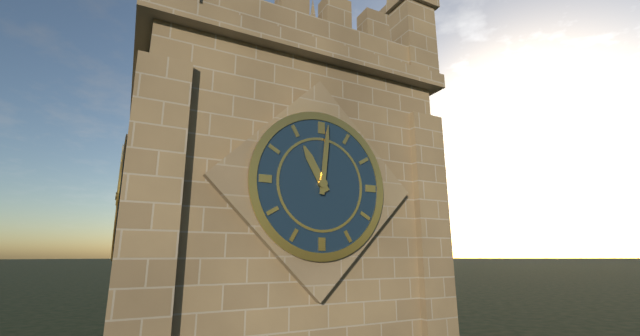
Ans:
h=11 m=1
